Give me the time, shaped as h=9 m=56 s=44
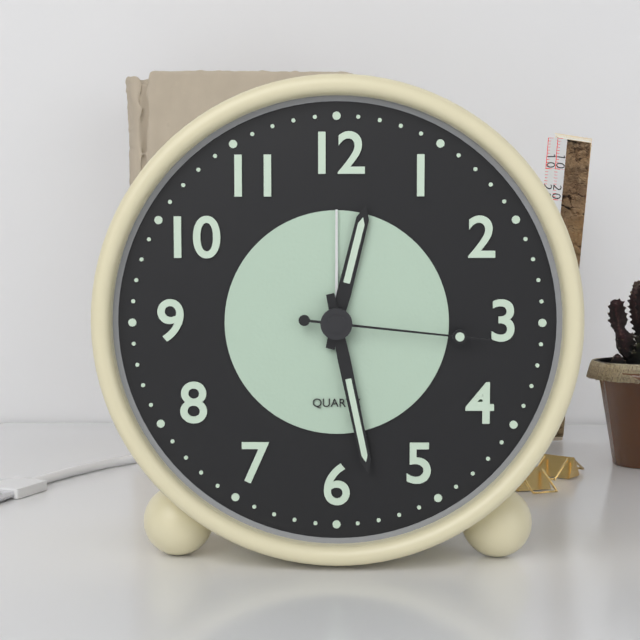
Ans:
h=12 m=28 s=16
